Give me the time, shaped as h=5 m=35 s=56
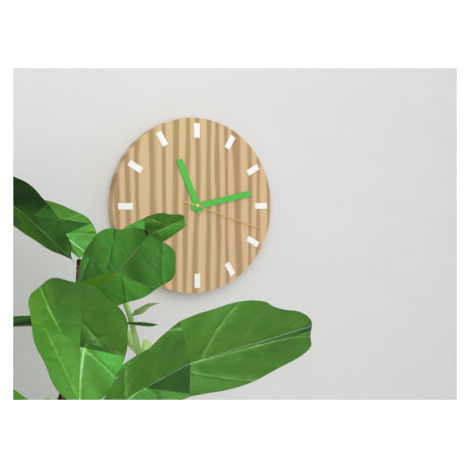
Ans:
h=11 m=13 s=18
